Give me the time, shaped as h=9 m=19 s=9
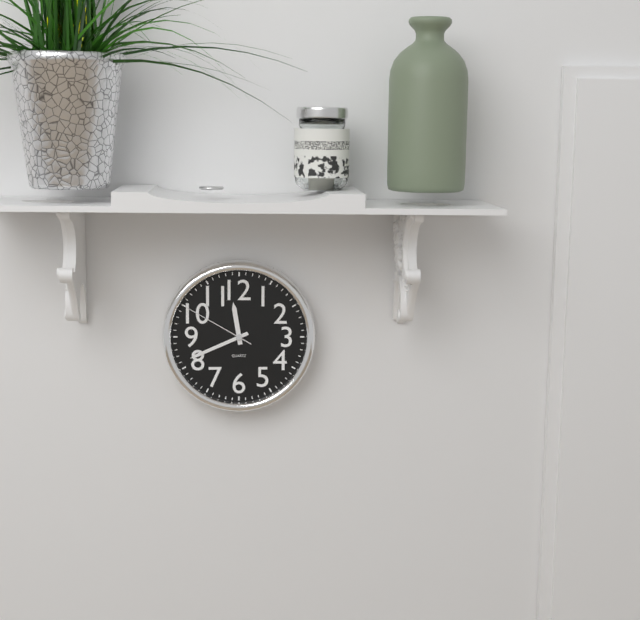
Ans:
h=11 m=41 s=50
